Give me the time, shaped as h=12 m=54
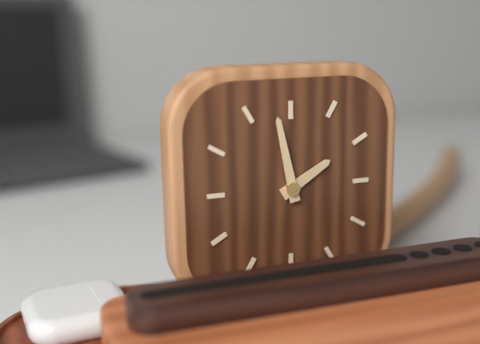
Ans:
h=1 m=58
